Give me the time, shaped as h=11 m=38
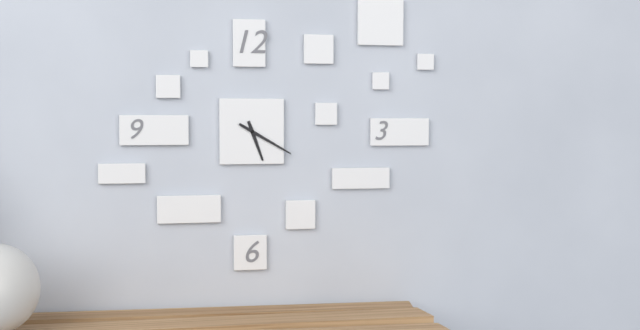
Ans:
h=5 m=20
